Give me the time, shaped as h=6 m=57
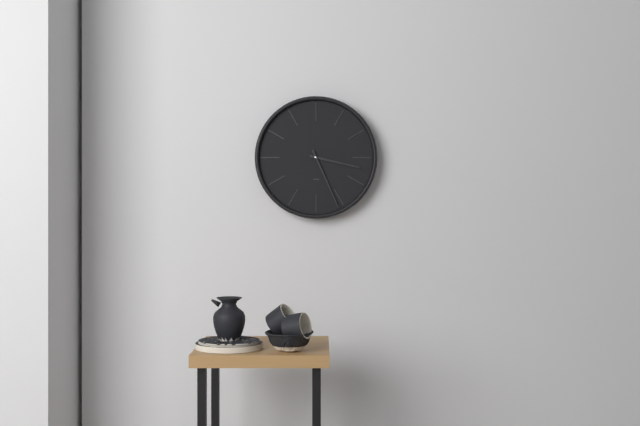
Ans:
h=3 m=26
